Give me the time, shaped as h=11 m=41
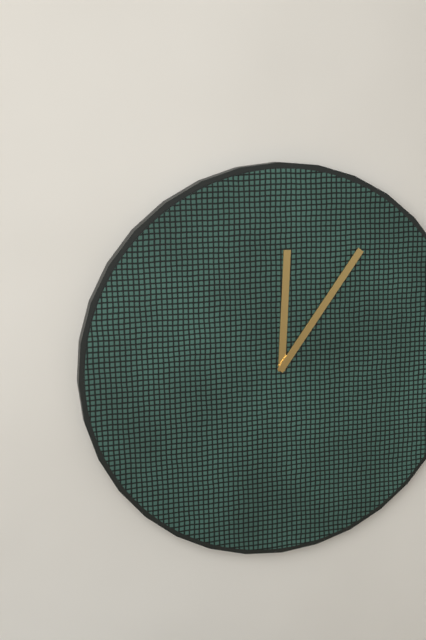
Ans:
h=12 m=6
